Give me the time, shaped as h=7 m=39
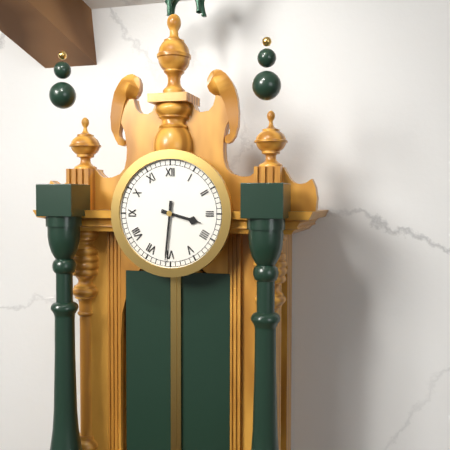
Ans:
h=3 m=31
